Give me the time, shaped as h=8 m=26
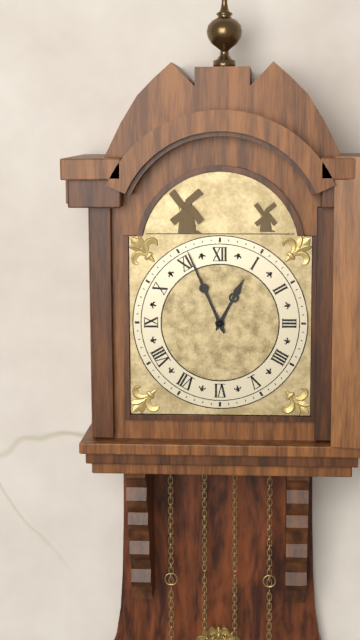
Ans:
h=12 m=56
